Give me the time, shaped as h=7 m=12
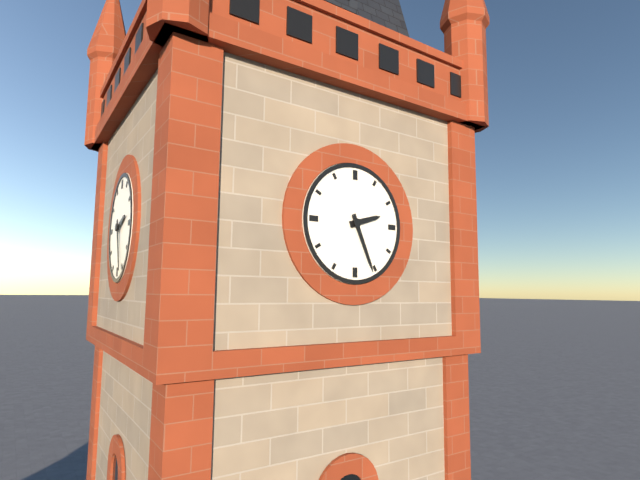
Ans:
h=2 m=26
